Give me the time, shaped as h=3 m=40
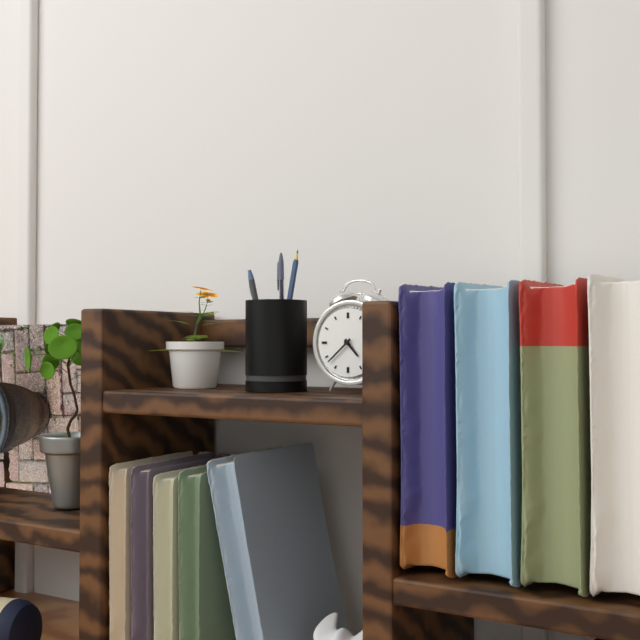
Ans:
h=4 m=38
